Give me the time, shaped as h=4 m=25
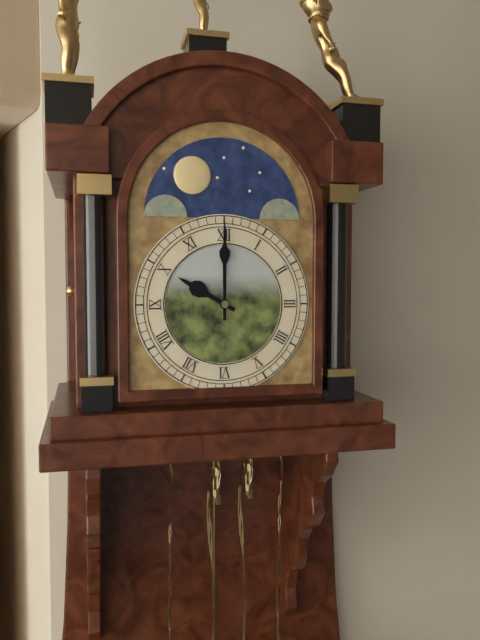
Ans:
h=10 m=0
